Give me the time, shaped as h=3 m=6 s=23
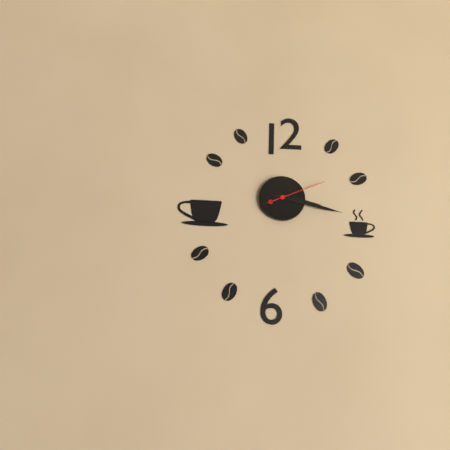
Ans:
h=3 m=17 s=11
